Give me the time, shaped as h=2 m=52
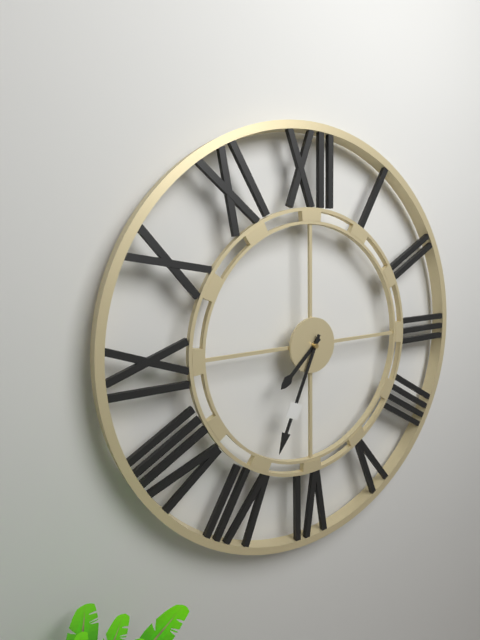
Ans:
h=7 m=34
